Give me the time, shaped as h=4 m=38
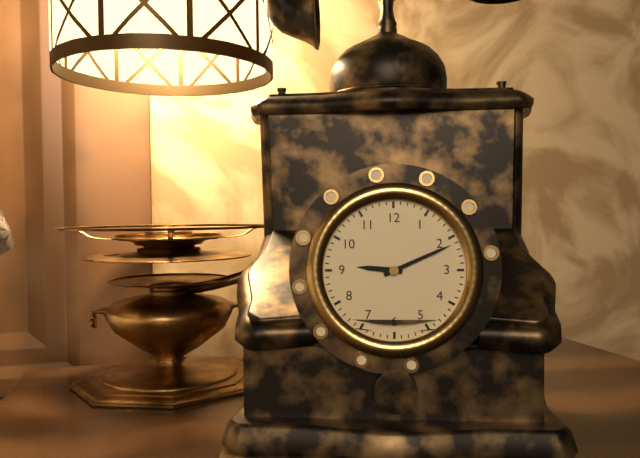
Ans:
h=9 m=11
